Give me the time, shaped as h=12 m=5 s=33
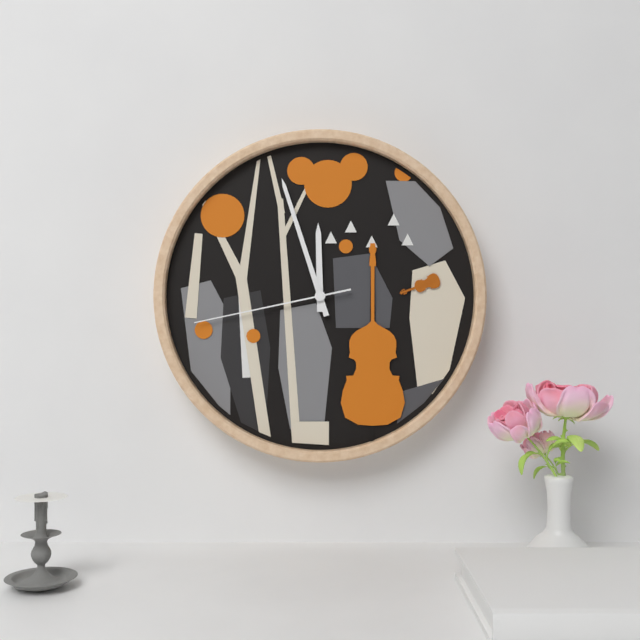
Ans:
h=11 m=57 s=43
